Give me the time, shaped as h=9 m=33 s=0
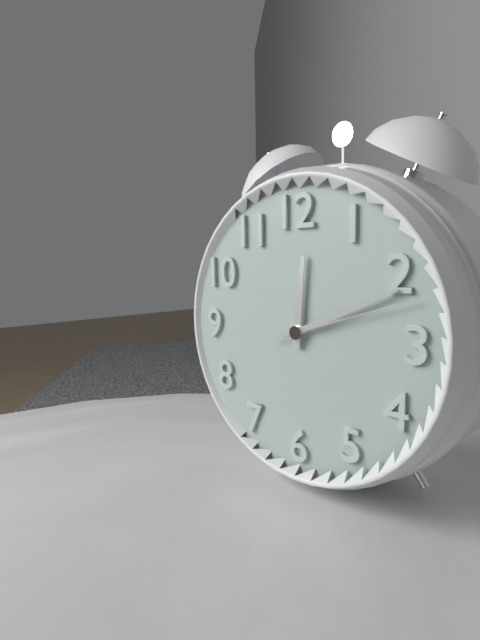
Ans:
h=12 m=11 s=12
